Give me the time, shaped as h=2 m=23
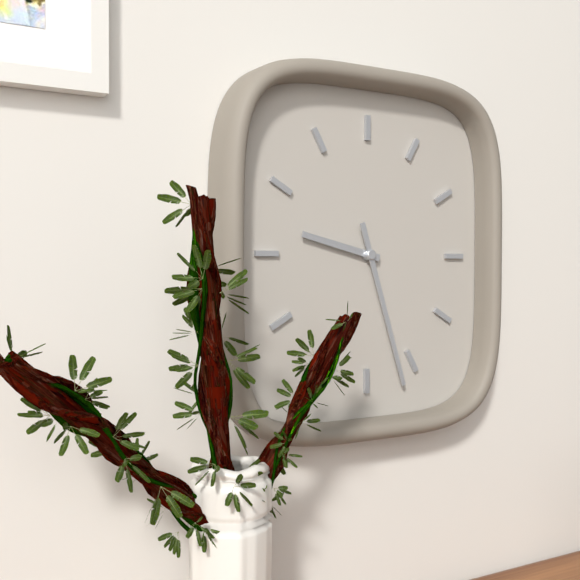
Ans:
h=9 m=27
